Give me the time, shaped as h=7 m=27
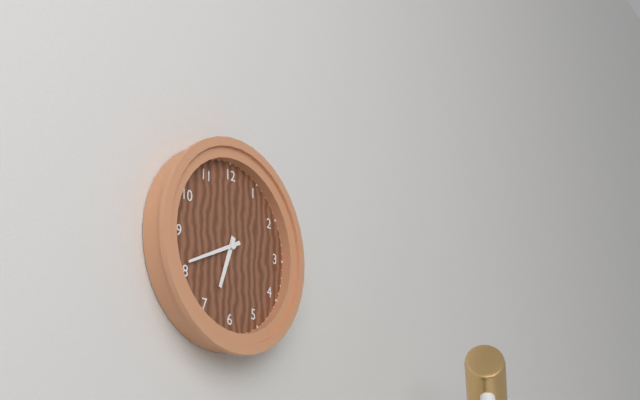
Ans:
h=6 m=41
